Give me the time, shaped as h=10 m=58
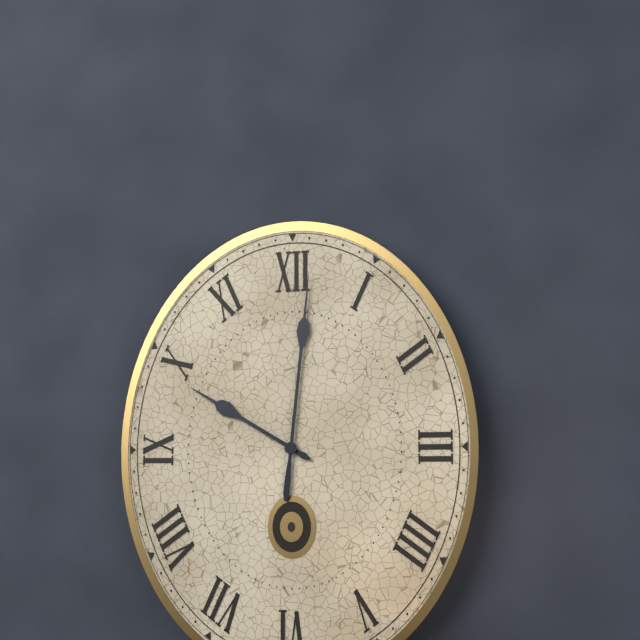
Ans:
h=10 m=1
